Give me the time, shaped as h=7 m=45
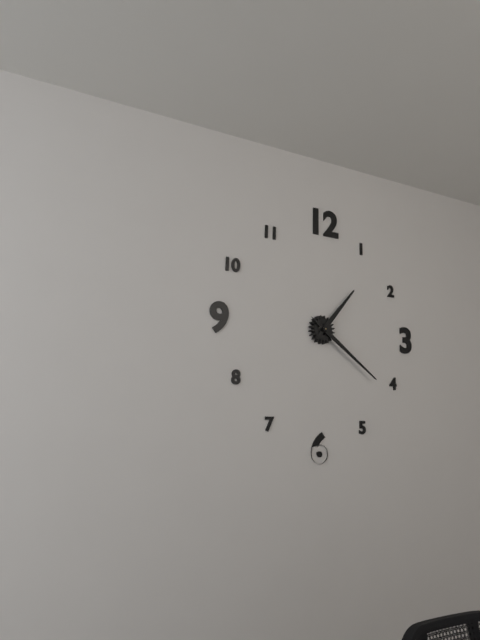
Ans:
h=1 m=21
